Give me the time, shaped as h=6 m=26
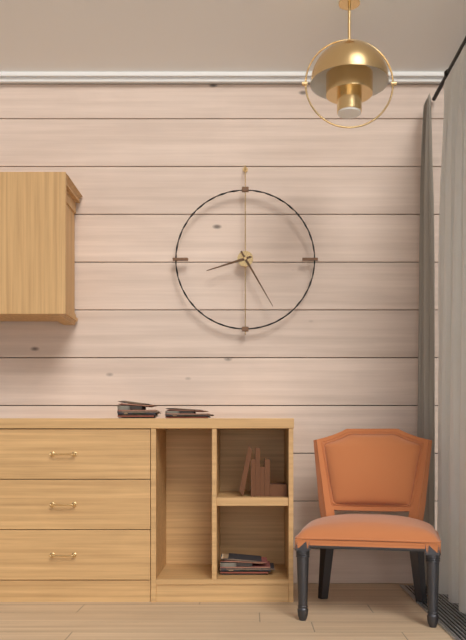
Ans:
h=8 m=25
